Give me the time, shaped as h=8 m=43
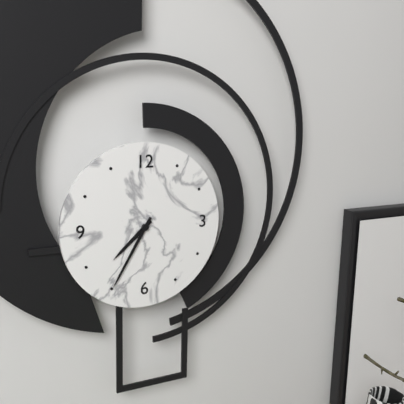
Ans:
h=7 m=35
